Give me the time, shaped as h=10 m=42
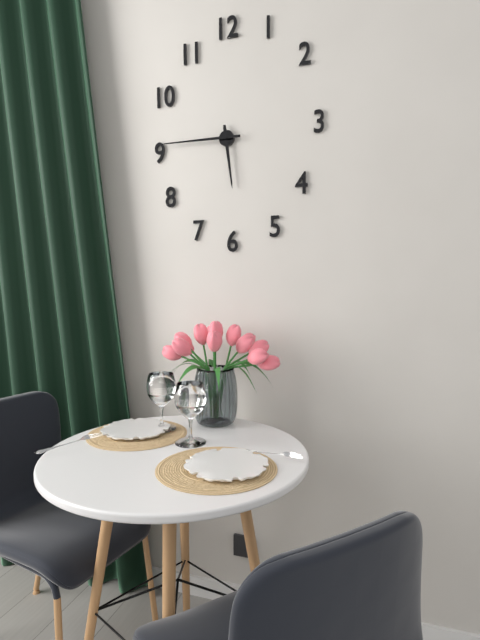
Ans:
h=5 m=45
